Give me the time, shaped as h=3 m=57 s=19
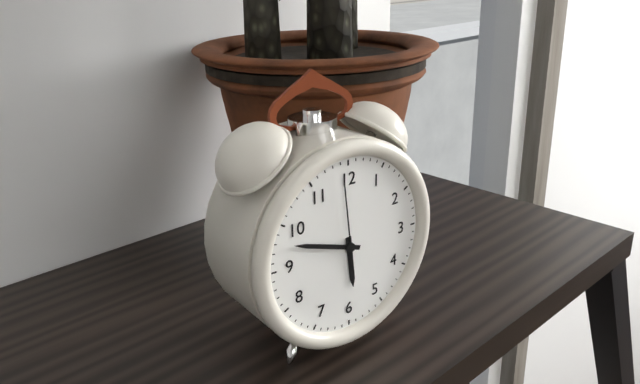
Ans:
h=5 m=48 s=59
